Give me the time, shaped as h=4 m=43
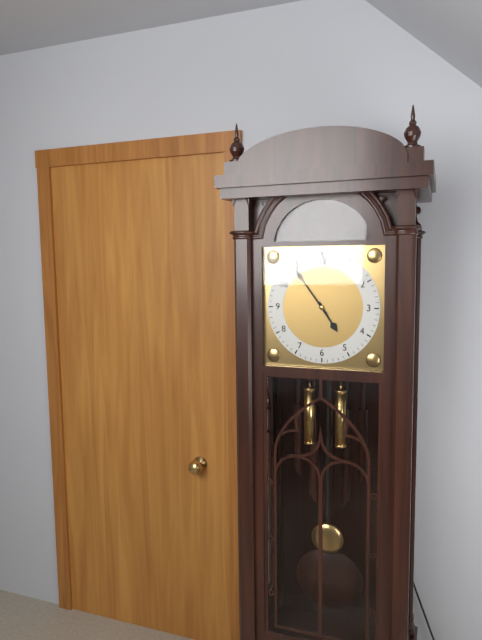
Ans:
h=4 m=54
